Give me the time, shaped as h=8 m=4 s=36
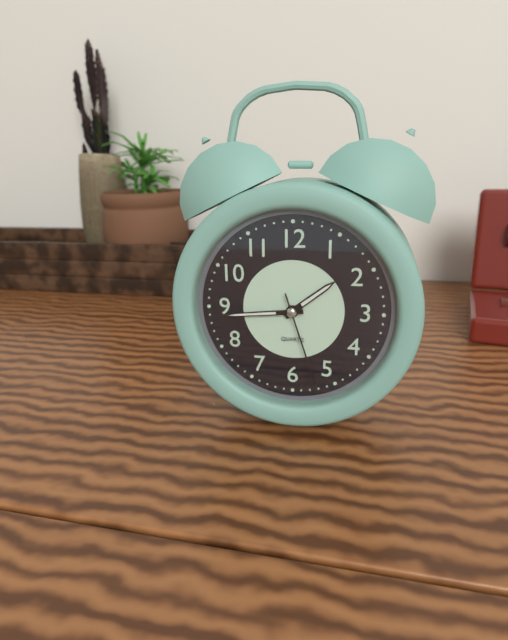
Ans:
h=1 m=44 s=27
